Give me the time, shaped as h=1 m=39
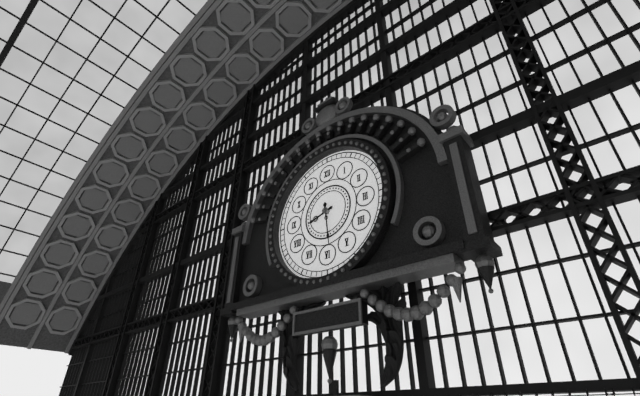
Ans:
h=8 m=29
